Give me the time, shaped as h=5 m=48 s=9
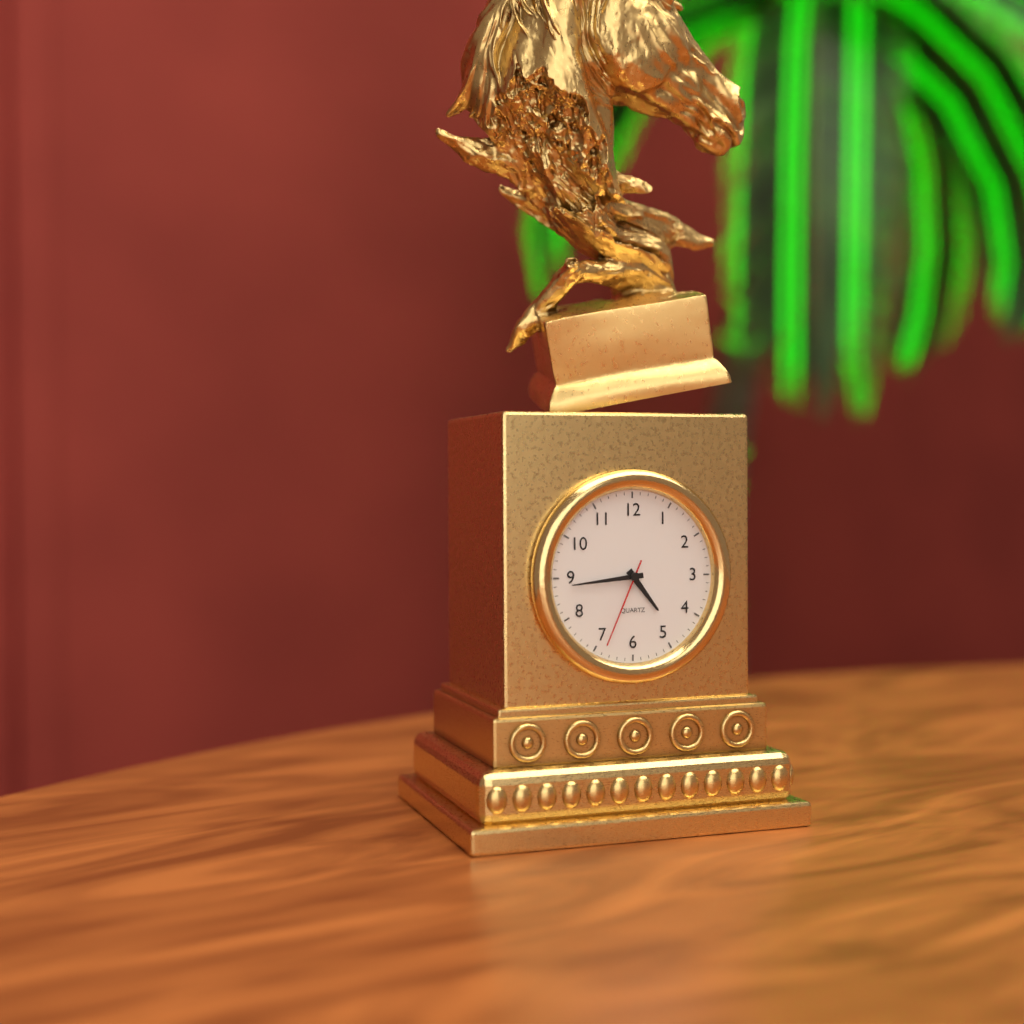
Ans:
h=4 m=44 s=34
